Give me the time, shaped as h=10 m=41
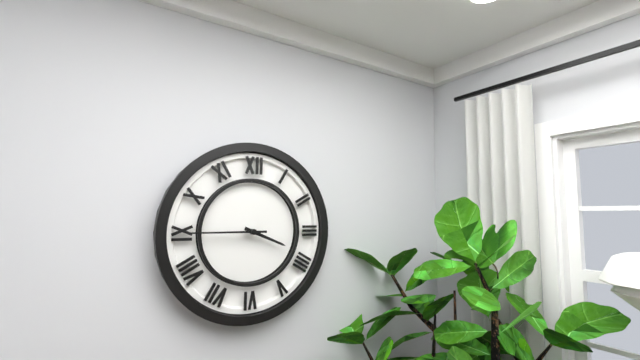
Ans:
h=3 m=45
